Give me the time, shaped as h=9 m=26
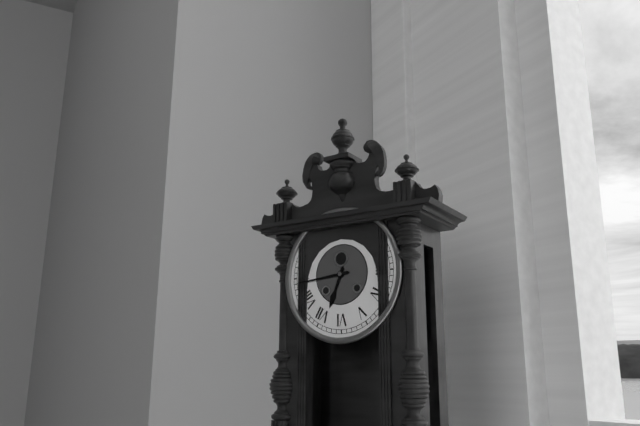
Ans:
h=6 m=44
